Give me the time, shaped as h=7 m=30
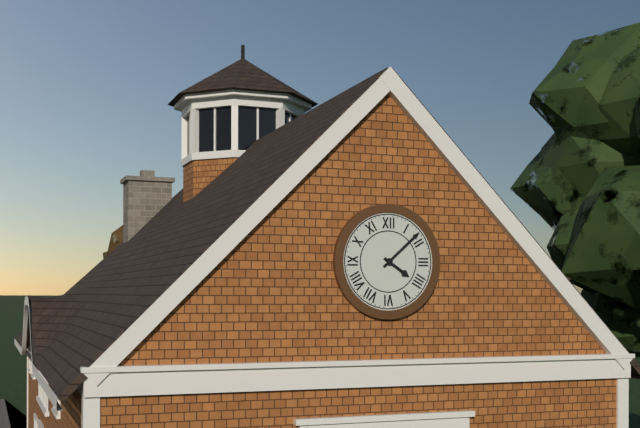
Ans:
h=4 m=8
